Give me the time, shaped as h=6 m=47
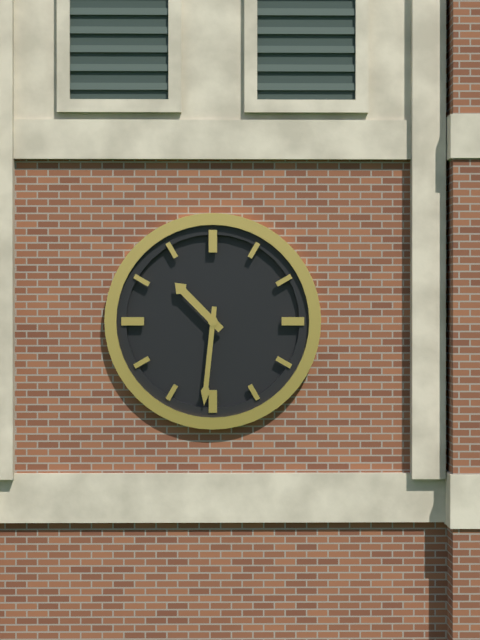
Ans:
h=10 m=31
